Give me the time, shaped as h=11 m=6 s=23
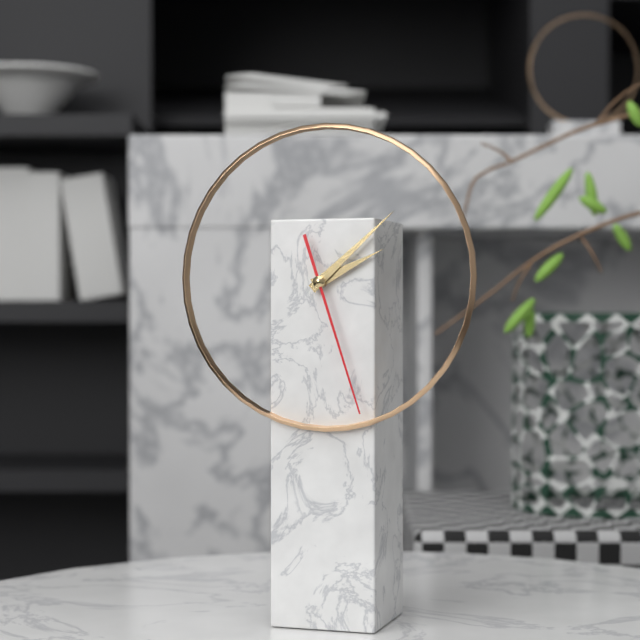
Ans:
h=2 m=8 s=27
